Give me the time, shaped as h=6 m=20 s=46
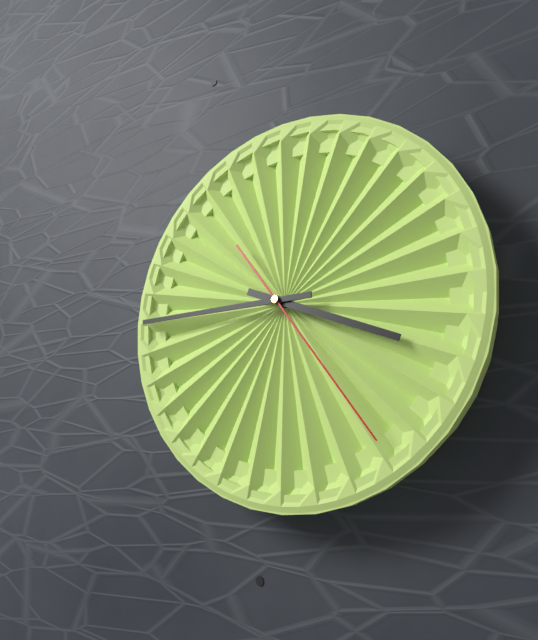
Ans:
h=3 m=45 s=24
